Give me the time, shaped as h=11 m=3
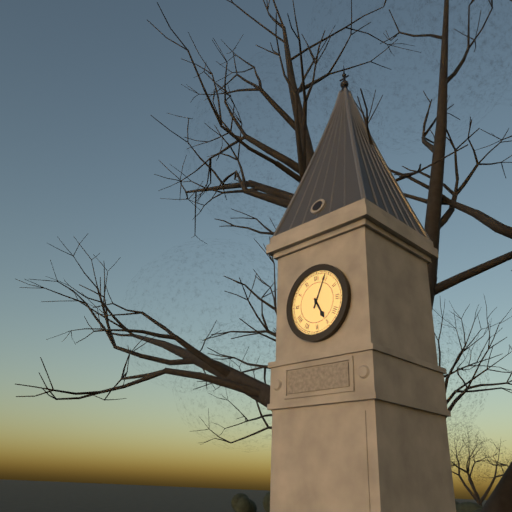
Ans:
h=5 m=4
